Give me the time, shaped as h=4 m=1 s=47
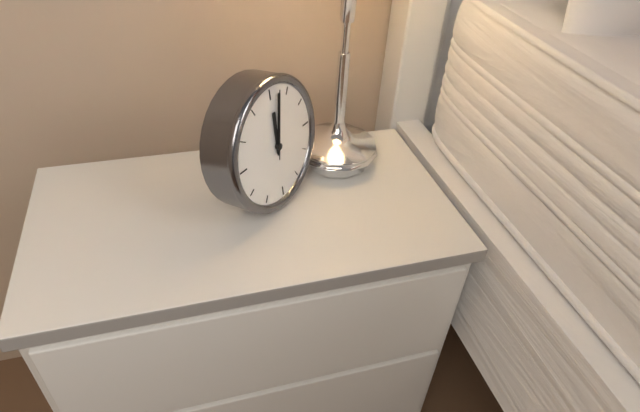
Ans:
h=12 m=2 s=2
